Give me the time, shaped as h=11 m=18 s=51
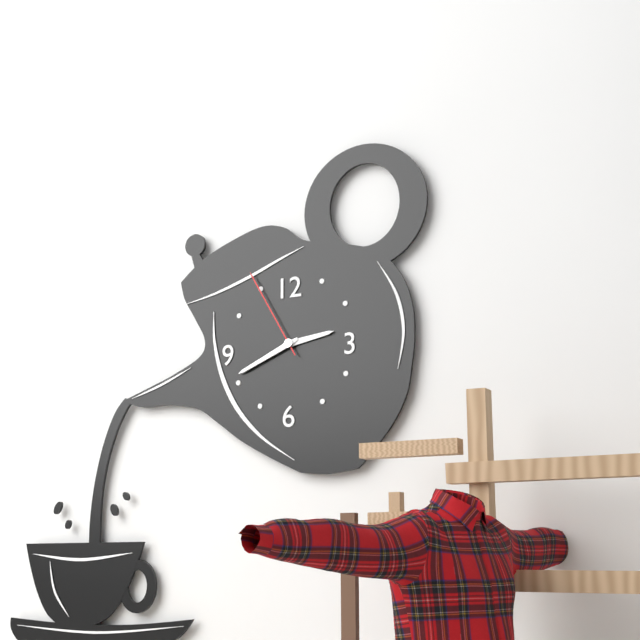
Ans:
h=2 m=41 s=55
